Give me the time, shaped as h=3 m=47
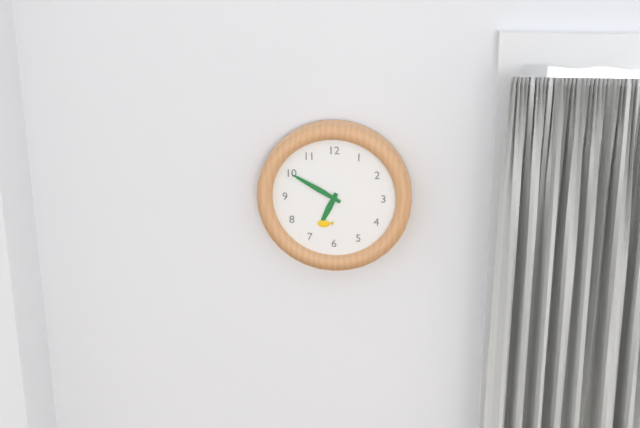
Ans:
h=6 m=50
